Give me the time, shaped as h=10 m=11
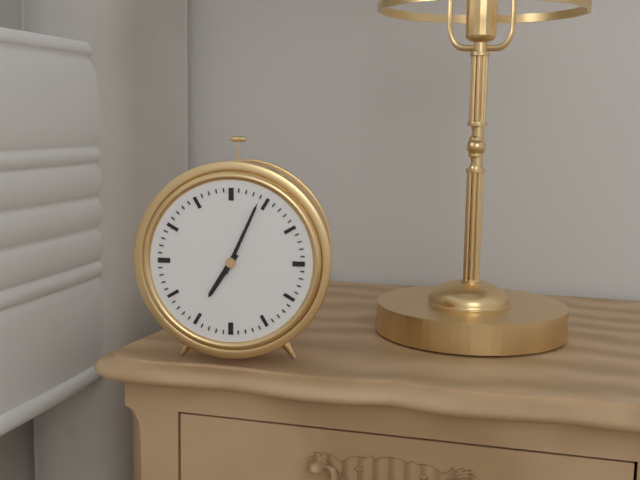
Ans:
h=7 m=4
